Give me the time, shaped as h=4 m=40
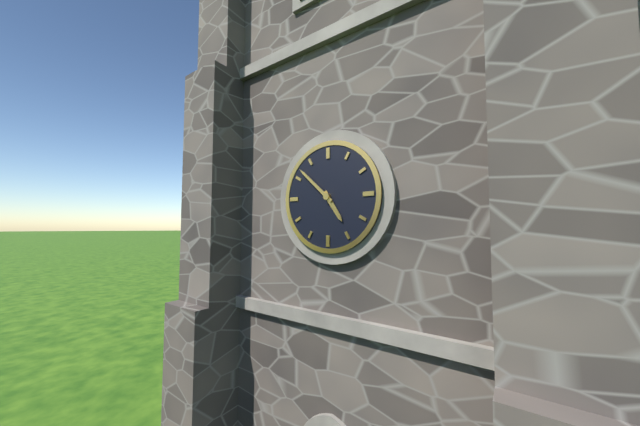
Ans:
h=4 m=52
